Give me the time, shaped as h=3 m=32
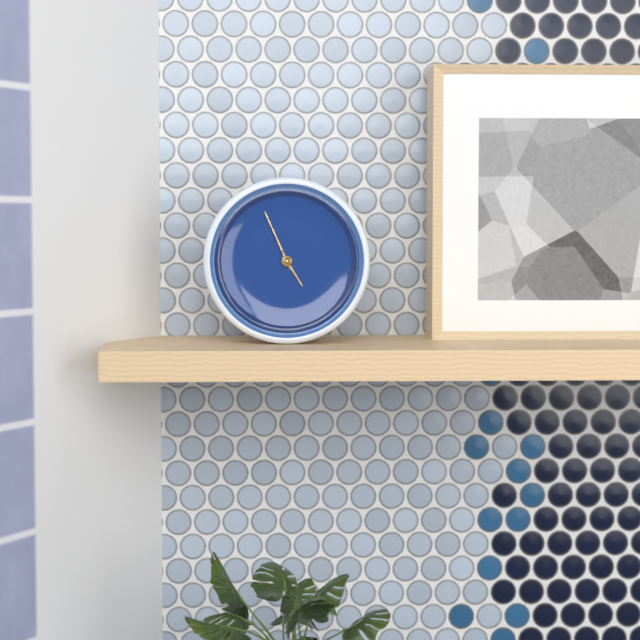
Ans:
h=4 m=56
